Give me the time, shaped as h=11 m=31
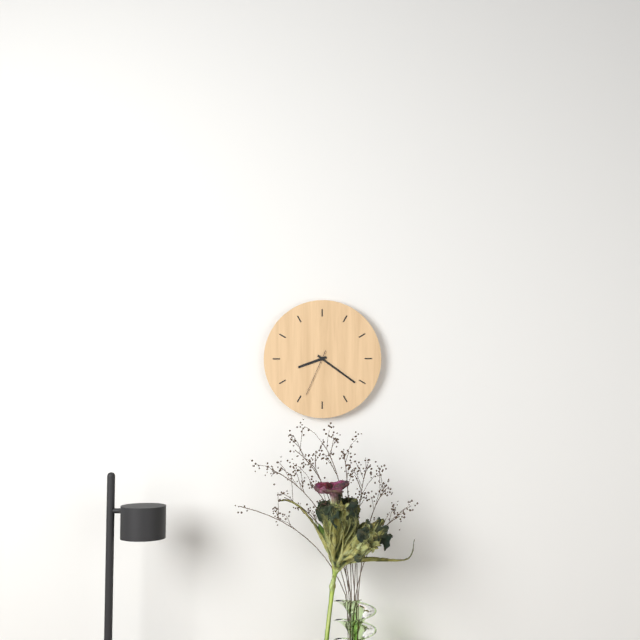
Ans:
h=8 m=21
